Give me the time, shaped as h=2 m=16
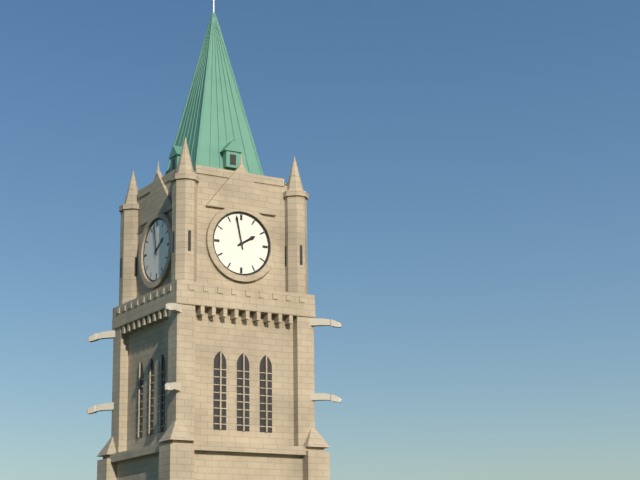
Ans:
h=1 m=58
